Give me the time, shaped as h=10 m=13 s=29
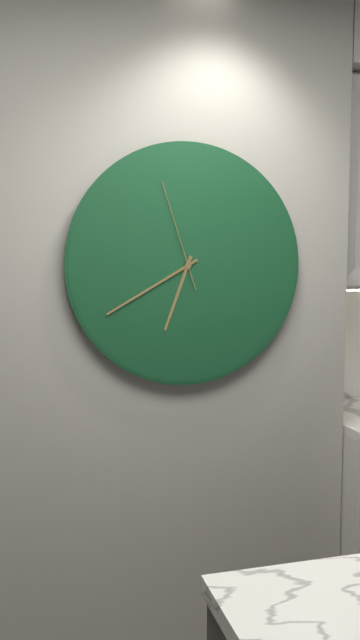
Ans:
h=6 m=40 s=57
